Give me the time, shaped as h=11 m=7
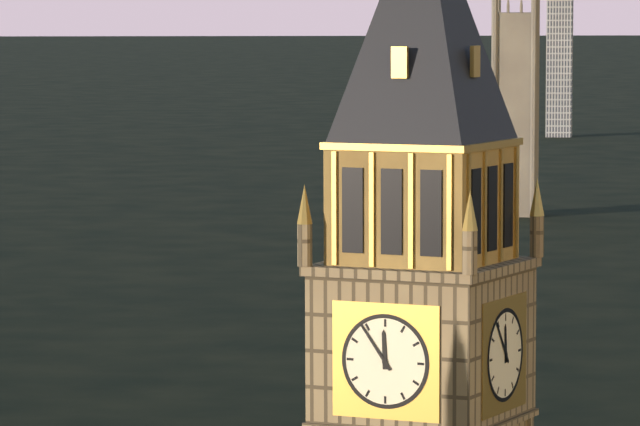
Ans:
h=11 m=54
